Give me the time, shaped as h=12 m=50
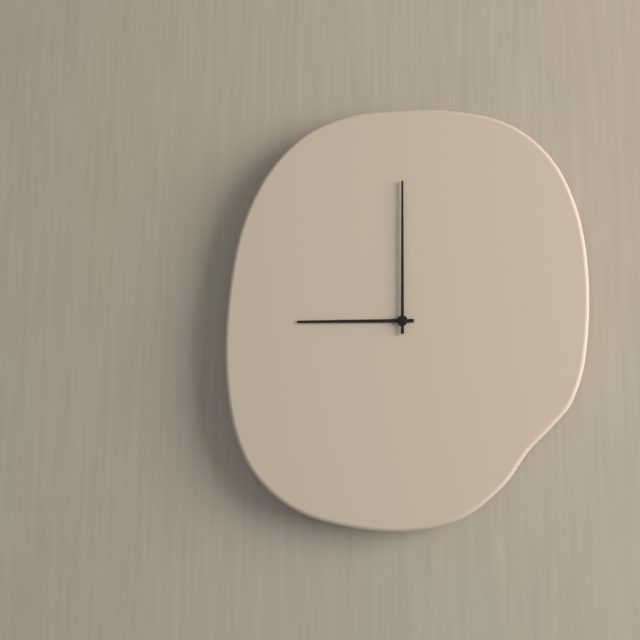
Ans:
h=9 m=0
